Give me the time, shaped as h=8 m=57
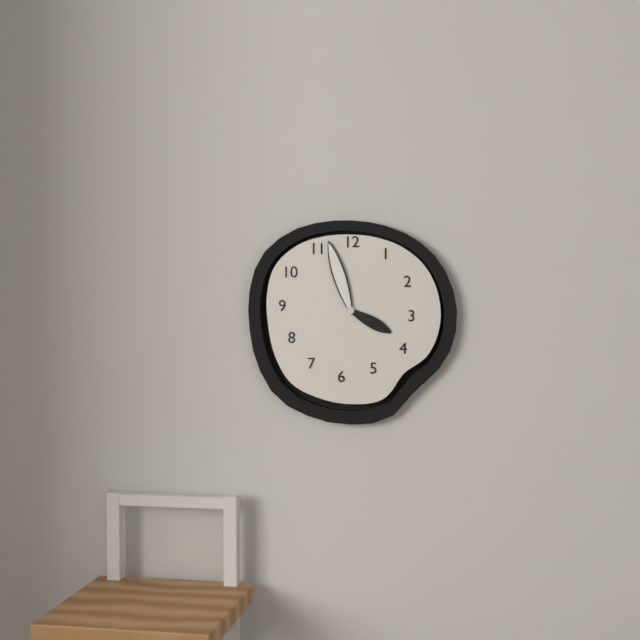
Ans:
h=3 m=57
